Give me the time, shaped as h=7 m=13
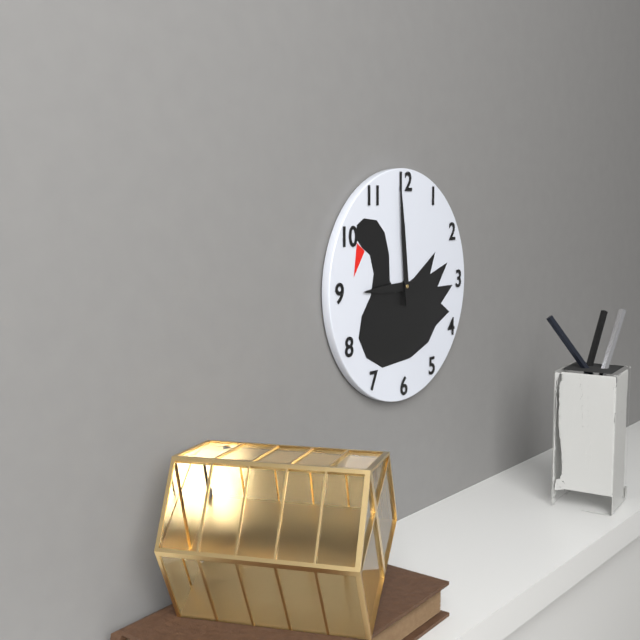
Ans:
h=8 m=59
